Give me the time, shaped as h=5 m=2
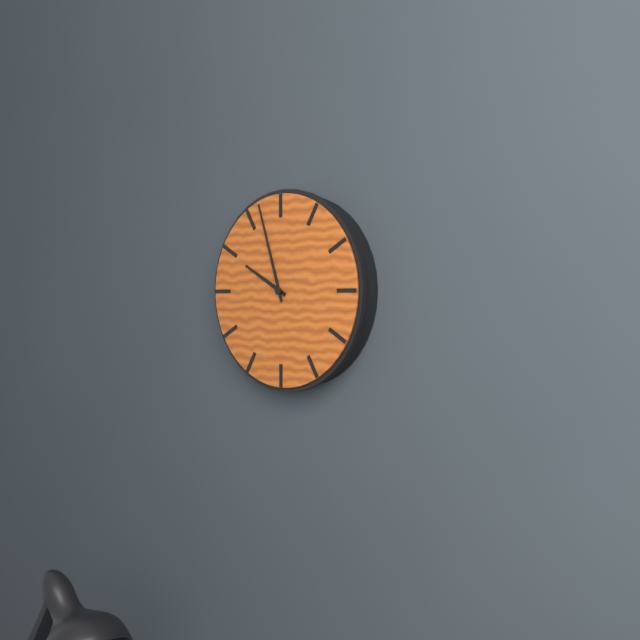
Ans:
h=9 m=57
